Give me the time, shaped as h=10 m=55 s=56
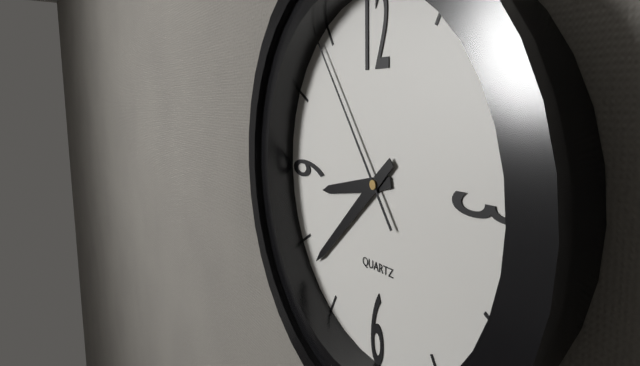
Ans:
h=8 m=38 s=54
